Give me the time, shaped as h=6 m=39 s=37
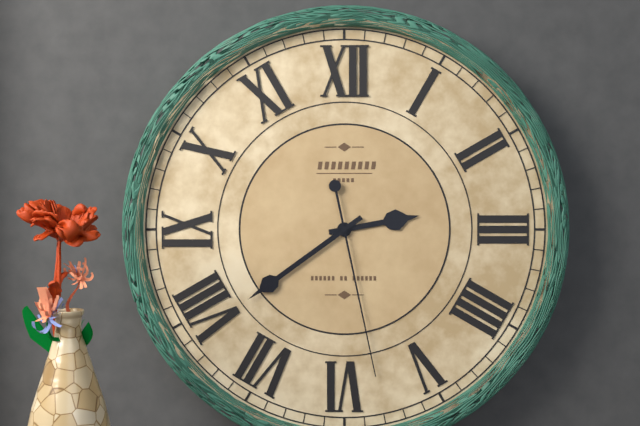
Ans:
h=2 m=39 s=28
